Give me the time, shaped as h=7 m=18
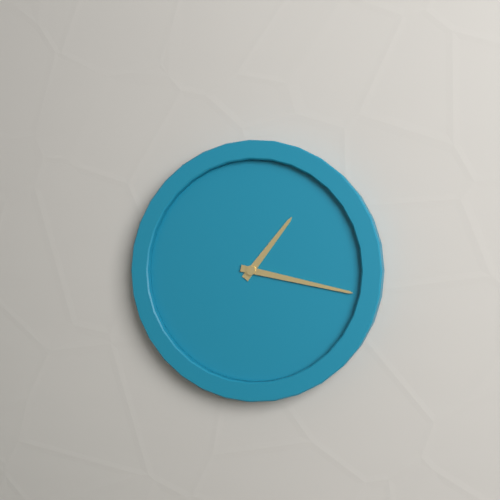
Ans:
h=1 m=17
